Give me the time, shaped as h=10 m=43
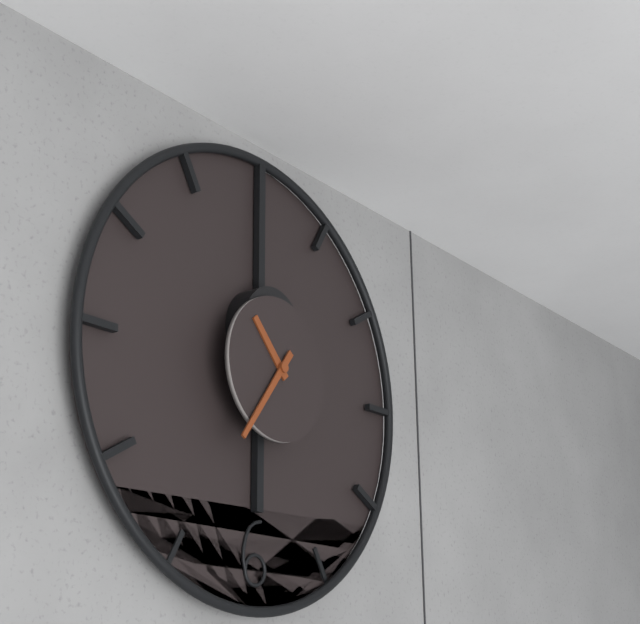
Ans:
h=10 m=36
